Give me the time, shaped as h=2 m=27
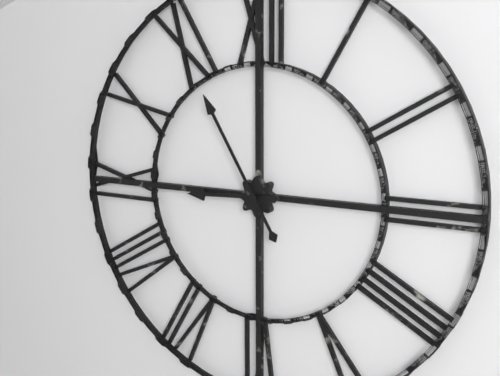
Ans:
h=8 m=55
